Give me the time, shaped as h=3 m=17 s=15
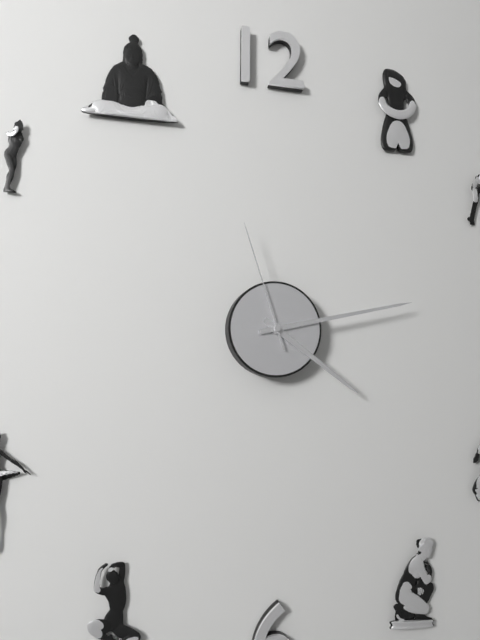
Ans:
h=4 m=13 s=57
